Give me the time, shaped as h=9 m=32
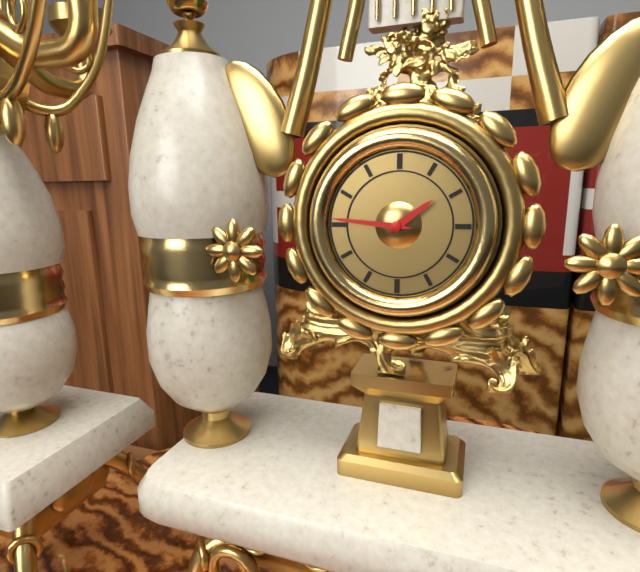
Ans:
h=1 m=46
